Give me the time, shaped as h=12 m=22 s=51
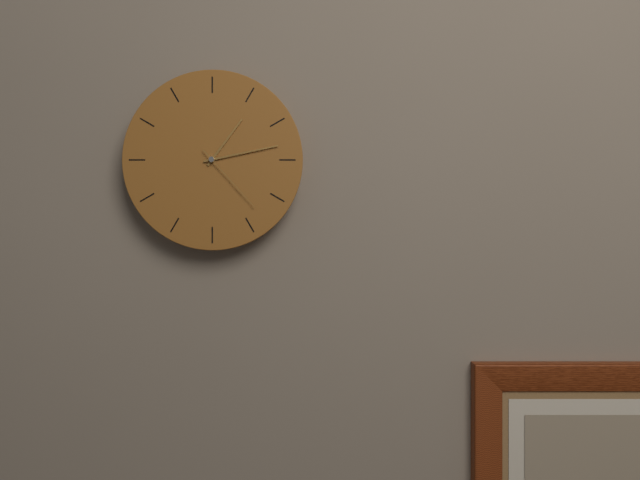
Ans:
h=1 m=13 s=23
